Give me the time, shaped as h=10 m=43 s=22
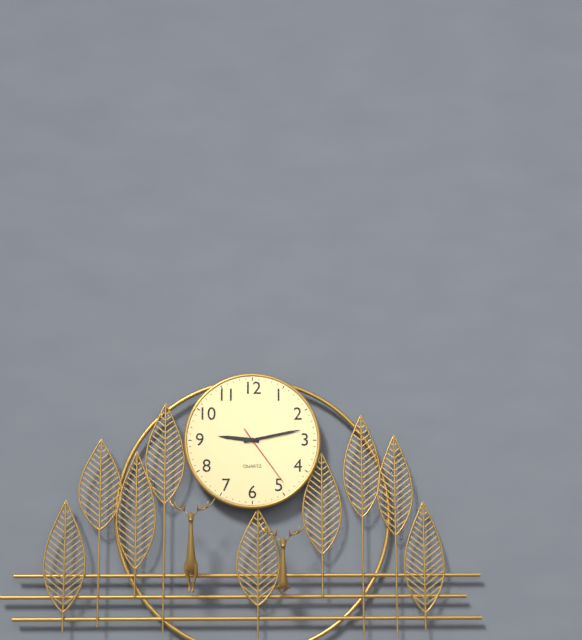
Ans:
h=9 m=13 s=24
